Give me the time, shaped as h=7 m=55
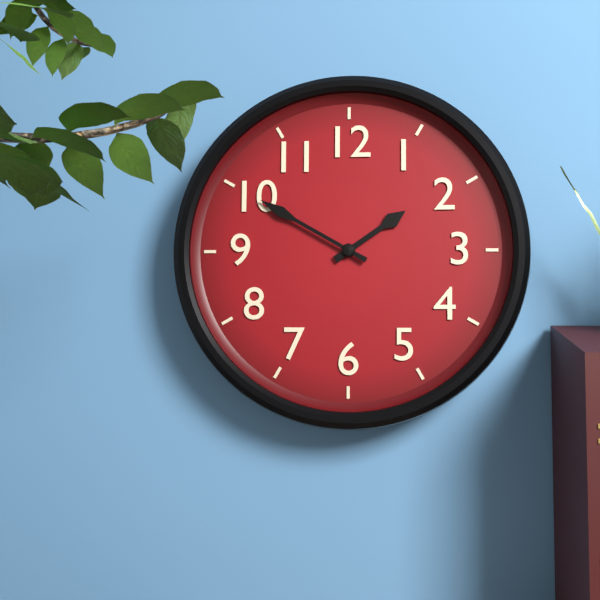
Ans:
h=1 m=50
